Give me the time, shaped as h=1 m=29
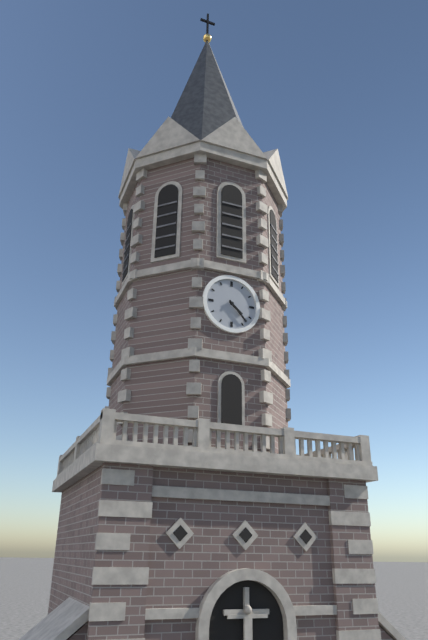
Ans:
h=4 m=23
